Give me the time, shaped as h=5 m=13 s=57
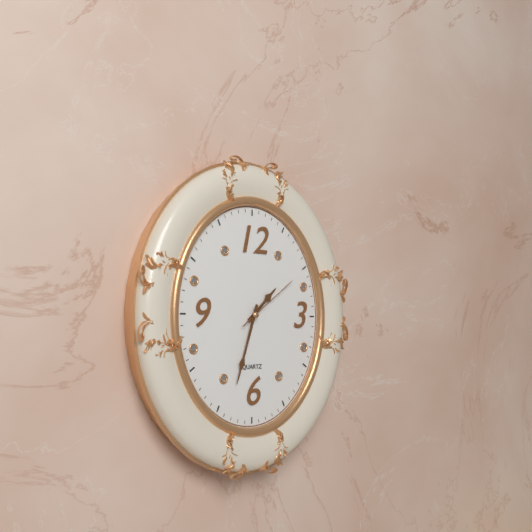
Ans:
h=1 m=33 s=9
